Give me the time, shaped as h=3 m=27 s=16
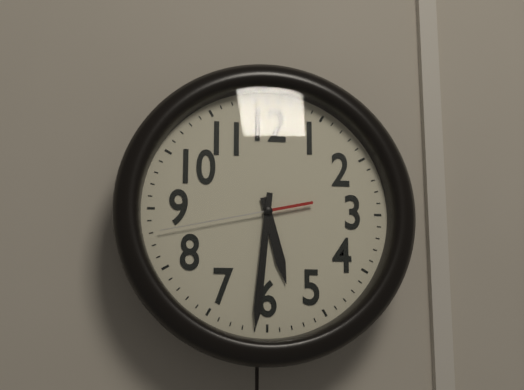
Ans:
h=5 m=31 s=43
